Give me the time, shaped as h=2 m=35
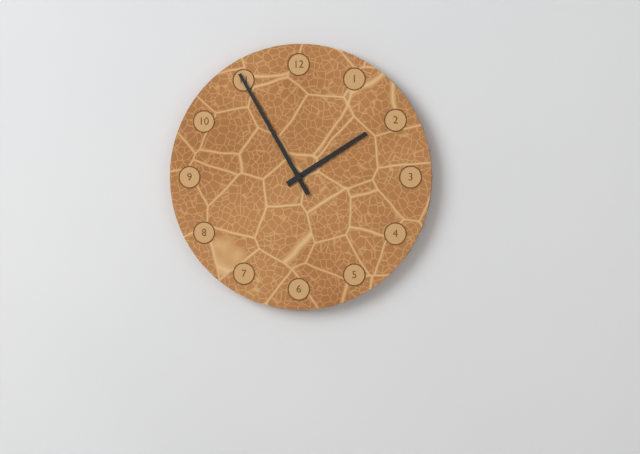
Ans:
h=1 m=55
